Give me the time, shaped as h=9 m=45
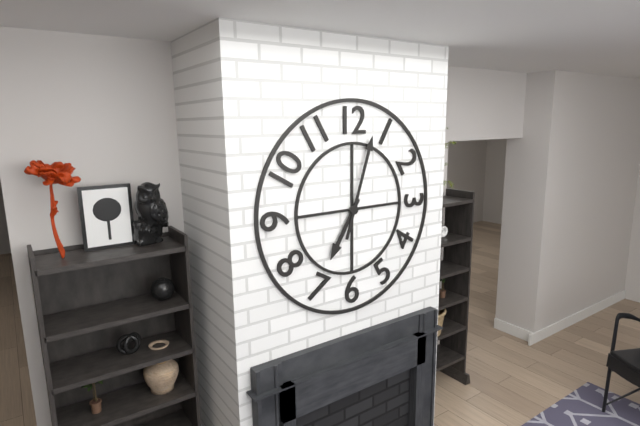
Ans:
h=7 m=3
